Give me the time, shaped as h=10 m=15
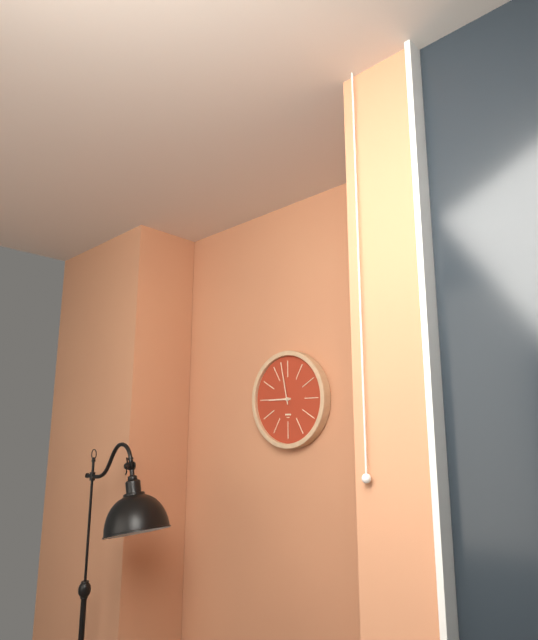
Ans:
h=8 m=58
